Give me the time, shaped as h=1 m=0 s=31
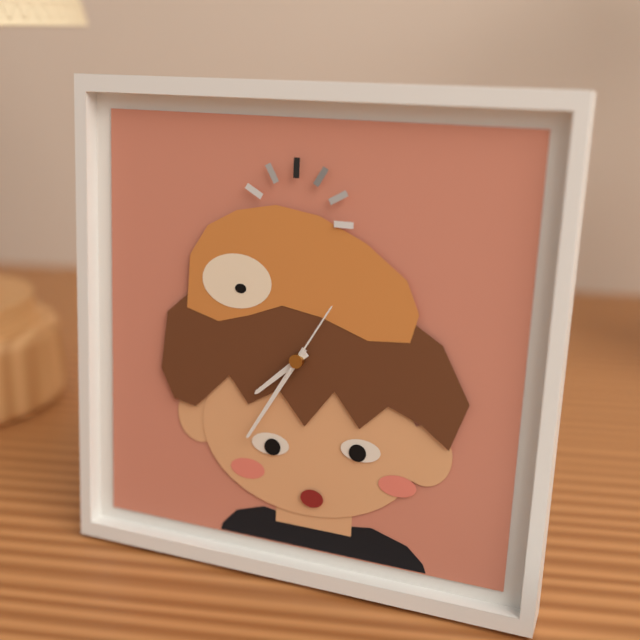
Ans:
h=7 m=35 s=5
